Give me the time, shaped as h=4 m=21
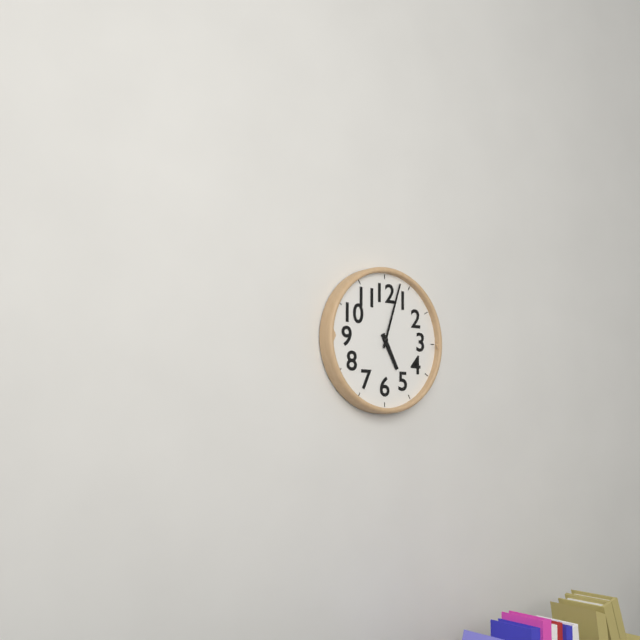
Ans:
h=5 m=3
